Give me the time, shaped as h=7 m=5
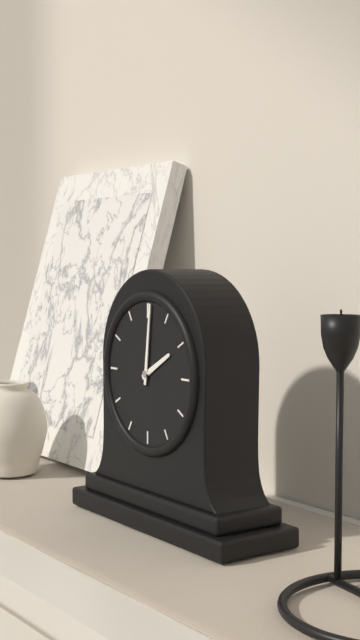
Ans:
h=2 m=1
